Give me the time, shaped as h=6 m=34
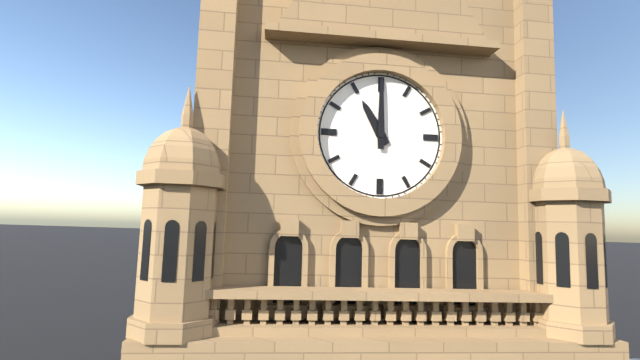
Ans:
h=11 m=0
